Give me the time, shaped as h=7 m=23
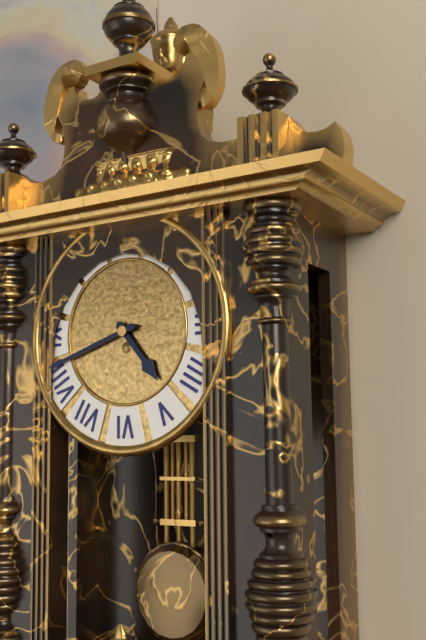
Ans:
h=4 m=42
